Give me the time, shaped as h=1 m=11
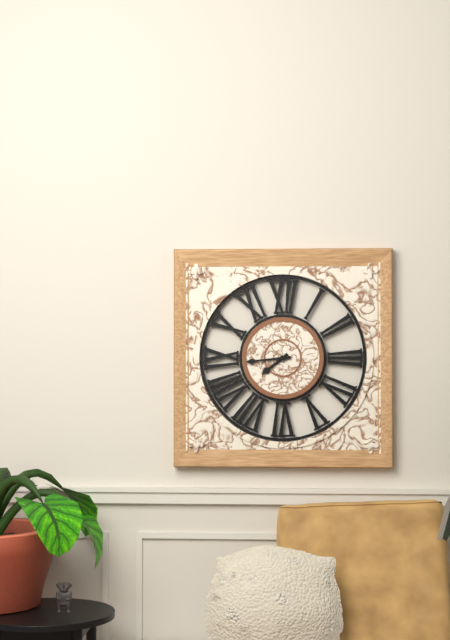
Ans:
h=7 m=44
